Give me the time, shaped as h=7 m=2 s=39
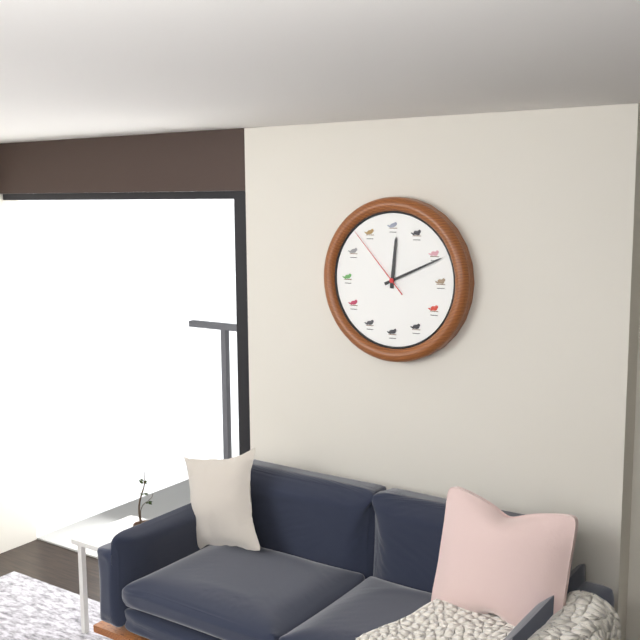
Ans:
h=12 m=11 s=53
